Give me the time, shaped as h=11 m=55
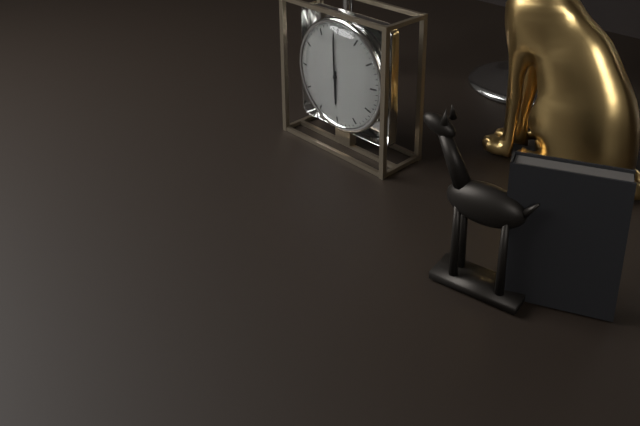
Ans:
h=5 m=59
